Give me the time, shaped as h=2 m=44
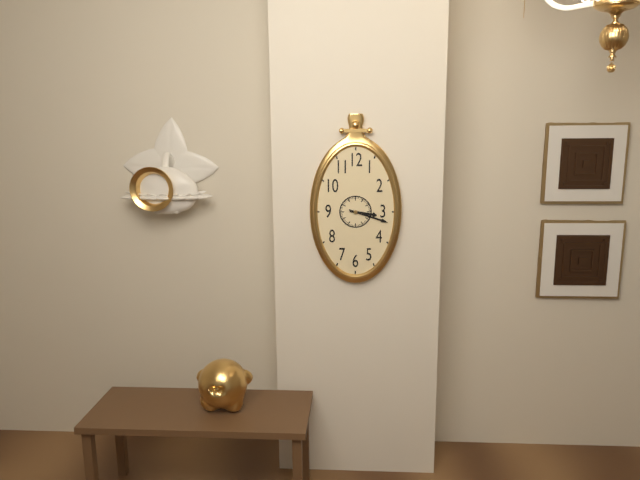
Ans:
h=3 m=18
